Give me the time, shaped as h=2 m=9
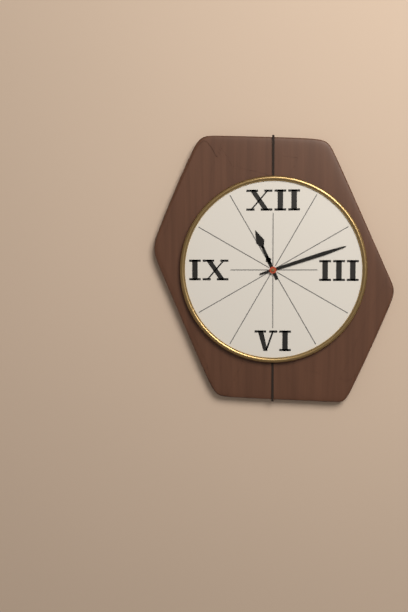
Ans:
h=11 m=12
